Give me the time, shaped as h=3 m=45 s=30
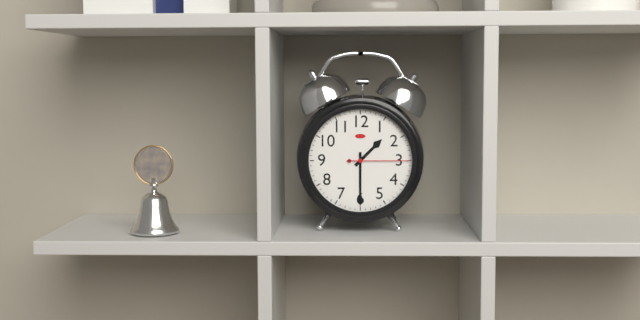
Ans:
h=1 m=30 s=15
